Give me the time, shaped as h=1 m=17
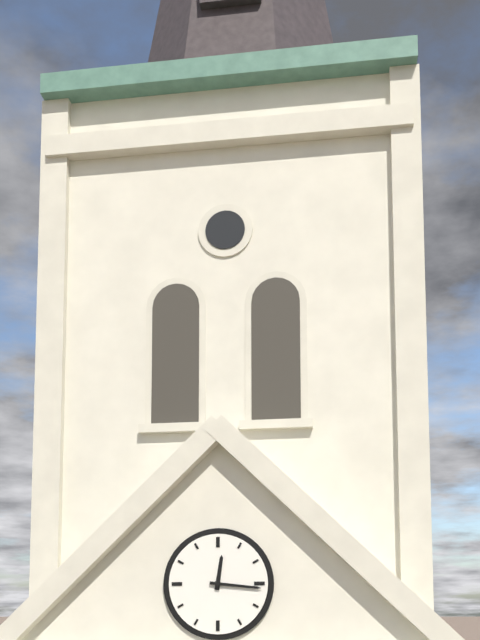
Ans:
h=12 m=16
